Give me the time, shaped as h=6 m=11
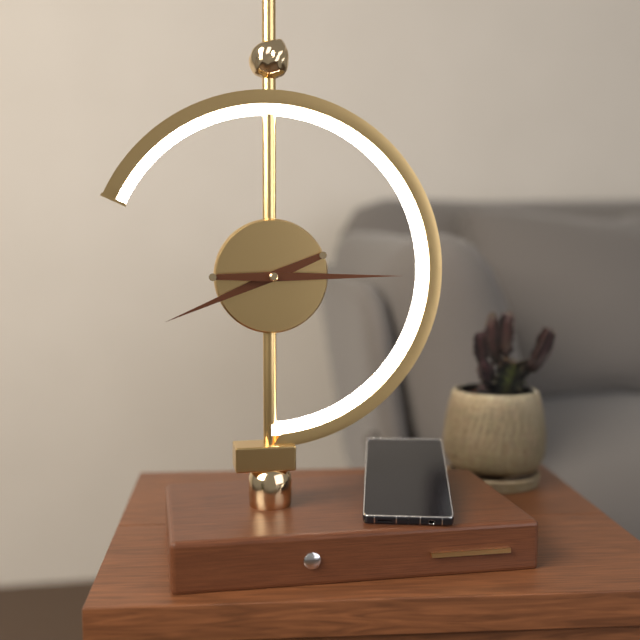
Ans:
h=8 m=15
